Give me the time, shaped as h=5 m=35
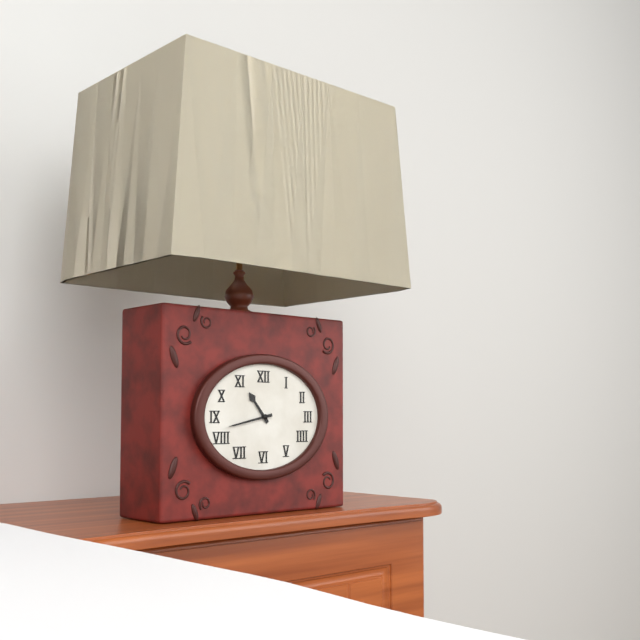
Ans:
h=10 m=43
